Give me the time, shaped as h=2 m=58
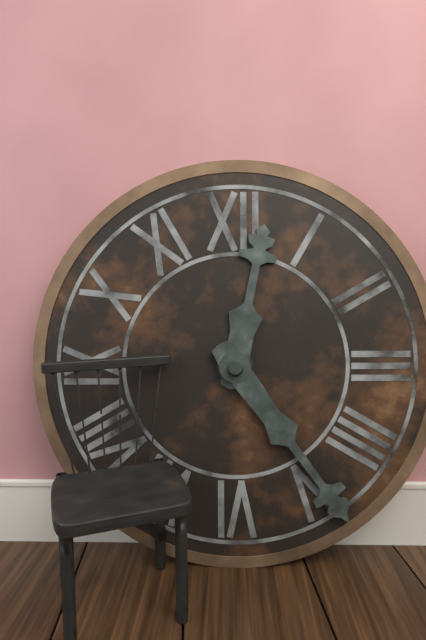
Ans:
h=12 m=24
